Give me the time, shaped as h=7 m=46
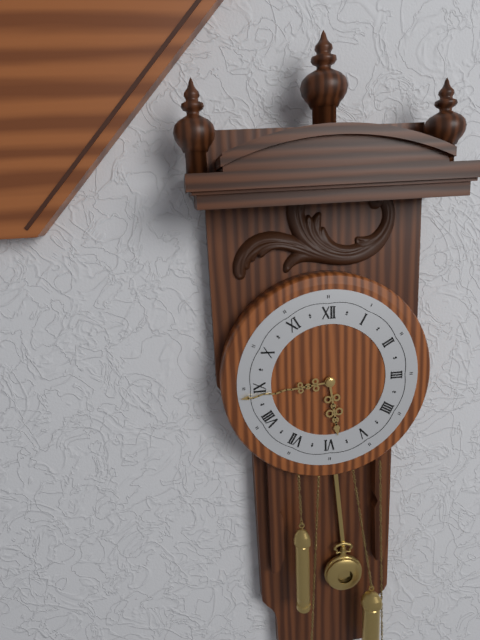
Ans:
h=5 m=44
